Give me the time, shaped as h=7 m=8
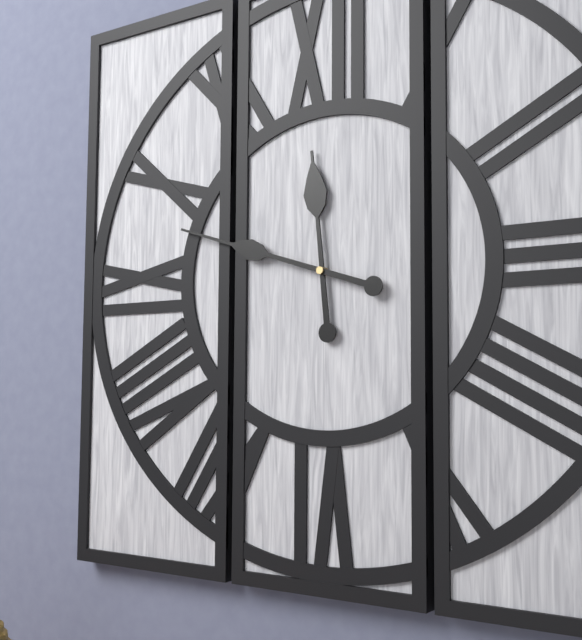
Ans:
h=11 m=48
